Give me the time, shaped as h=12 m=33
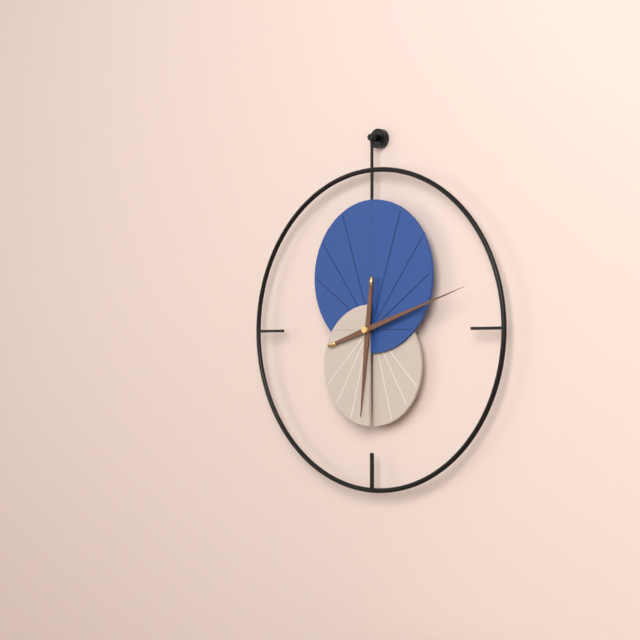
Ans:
h=6 m=12
